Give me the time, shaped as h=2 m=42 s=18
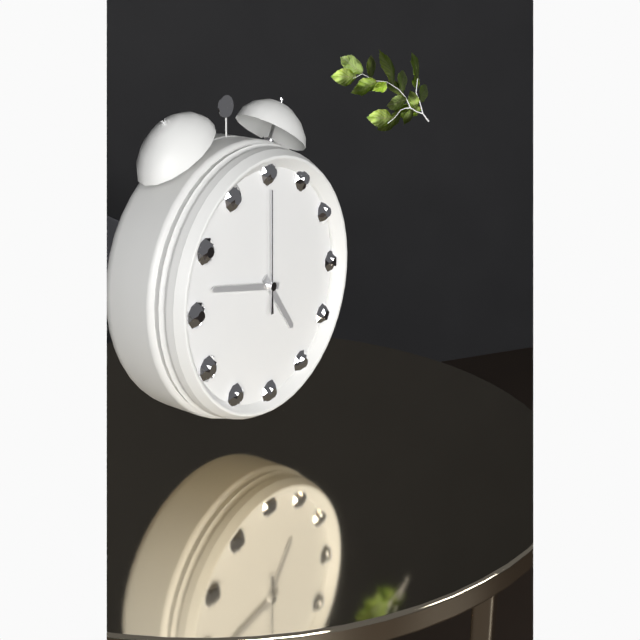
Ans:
h=4 m=47 s=0
